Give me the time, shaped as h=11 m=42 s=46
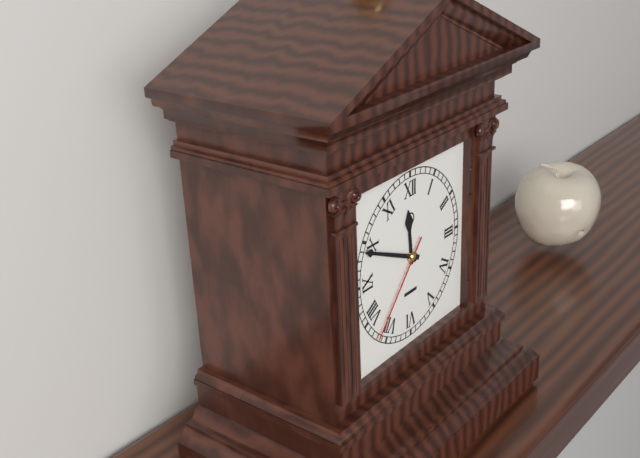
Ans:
h=11 m=49 s=37
